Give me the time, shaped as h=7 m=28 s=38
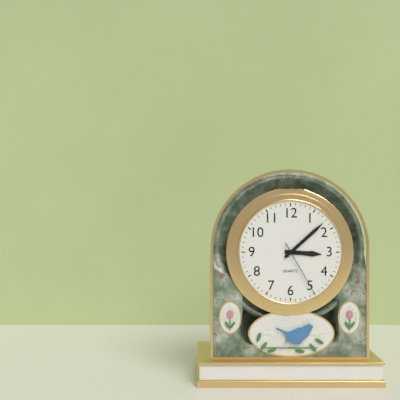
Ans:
h=3 m=8 s=25
